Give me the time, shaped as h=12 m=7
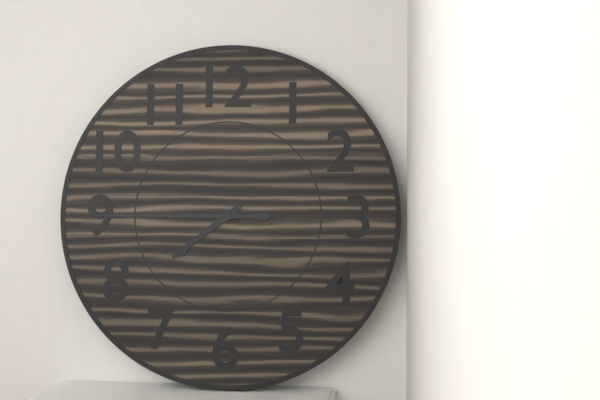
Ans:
h=7 m=45
